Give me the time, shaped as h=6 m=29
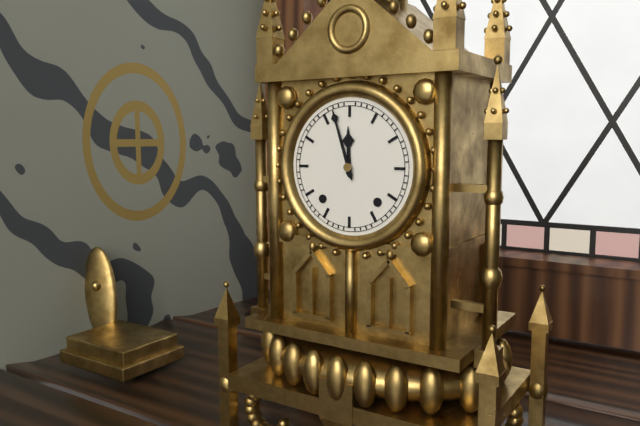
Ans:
h=11 m=57
